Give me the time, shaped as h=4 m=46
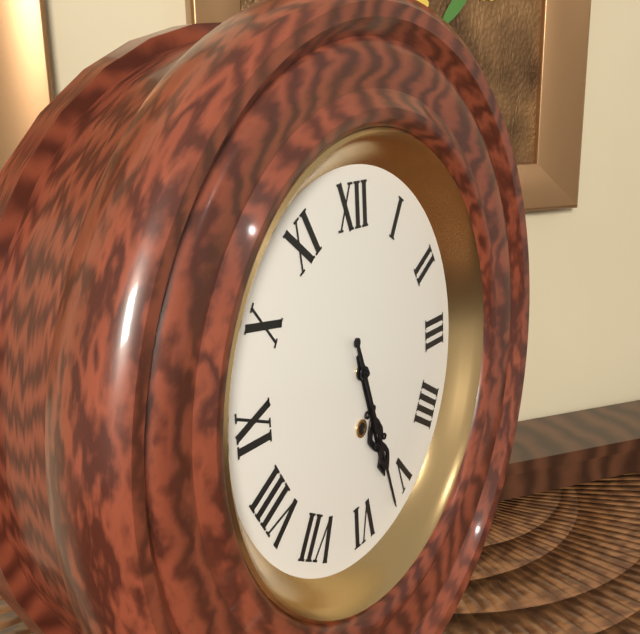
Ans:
h=5 m=27
